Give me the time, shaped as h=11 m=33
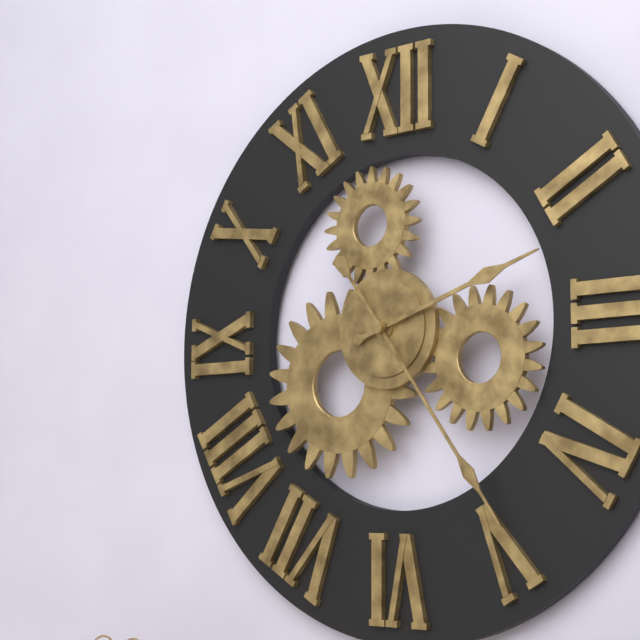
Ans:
h=2 m=24
